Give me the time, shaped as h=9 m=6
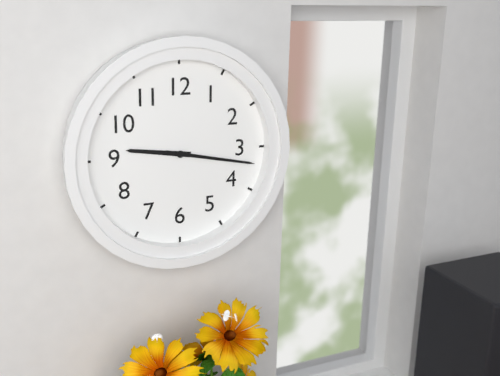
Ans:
h=9 m=17
